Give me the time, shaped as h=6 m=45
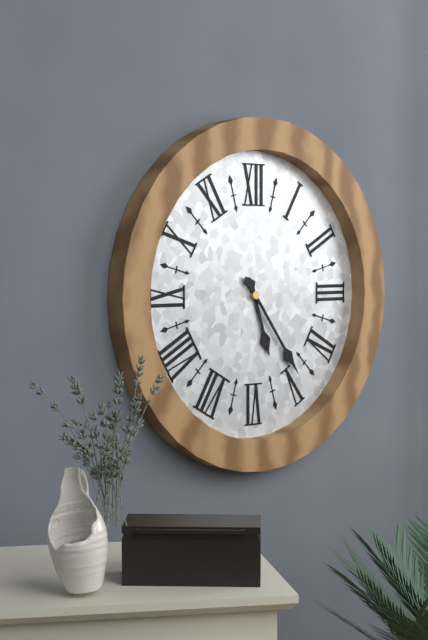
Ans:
h=5 m=24
